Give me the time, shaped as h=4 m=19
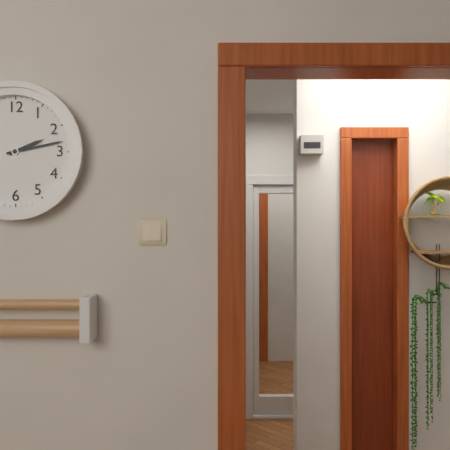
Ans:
h=2 m=13
